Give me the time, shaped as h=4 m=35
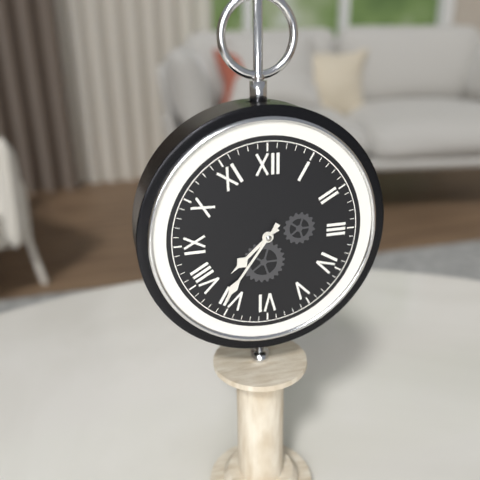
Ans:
h=7 m=36
